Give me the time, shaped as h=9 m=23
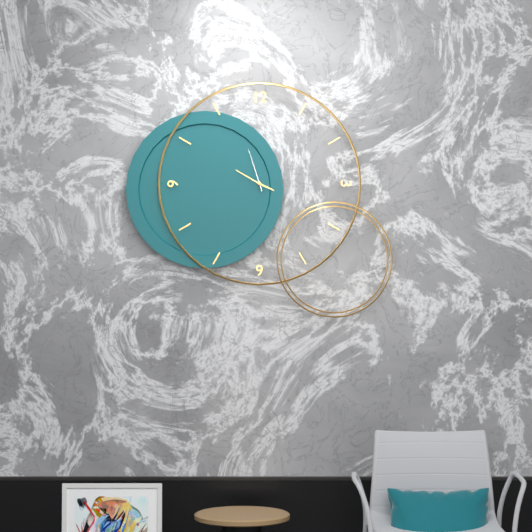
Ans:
h=3 m=50
